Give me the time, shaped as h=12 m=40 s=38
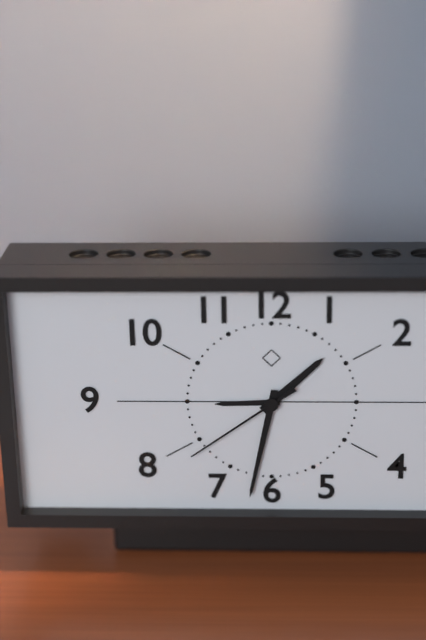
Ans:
h=1 m=32 s=39
